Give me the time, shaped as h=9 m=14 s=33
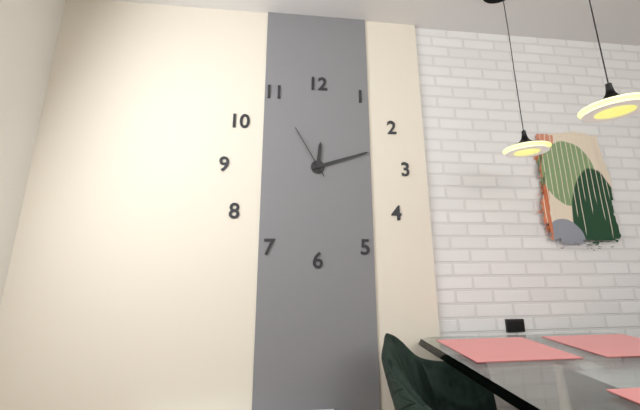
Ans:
h=12 m=12 s=55
